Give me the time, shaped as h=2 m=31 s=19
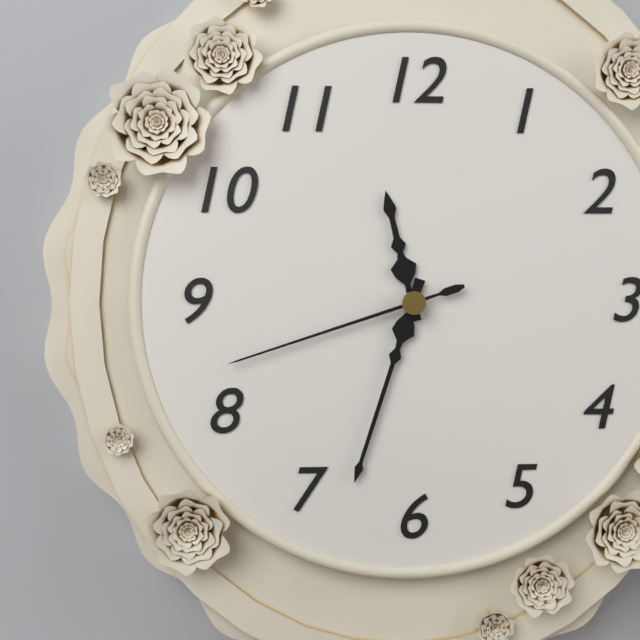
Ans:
h=11 m=33 s=42
